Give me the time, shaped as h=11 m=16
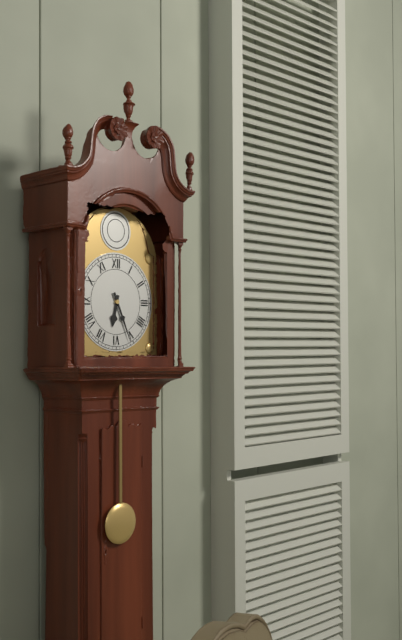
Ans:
h=6 m=26
